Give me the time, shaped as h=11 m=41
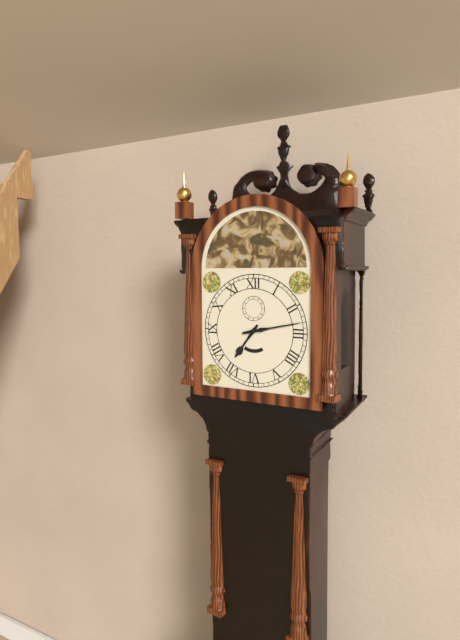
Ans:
h=7 m=13
